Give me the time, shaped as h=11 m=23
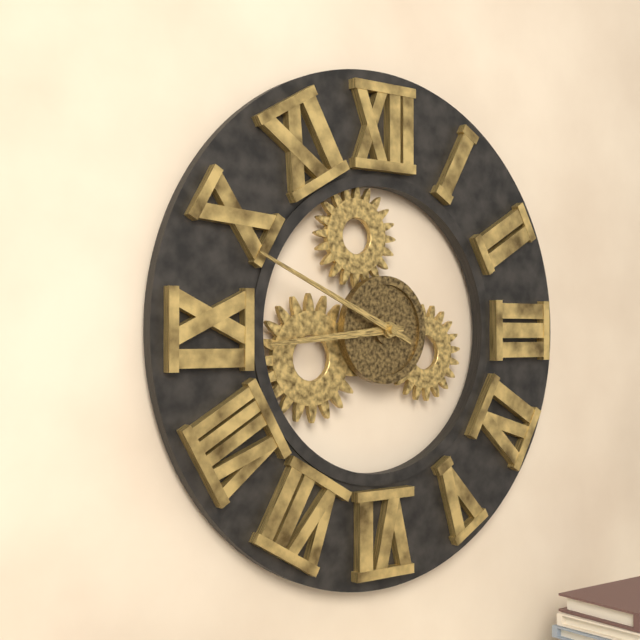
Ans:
h=8 m=49
